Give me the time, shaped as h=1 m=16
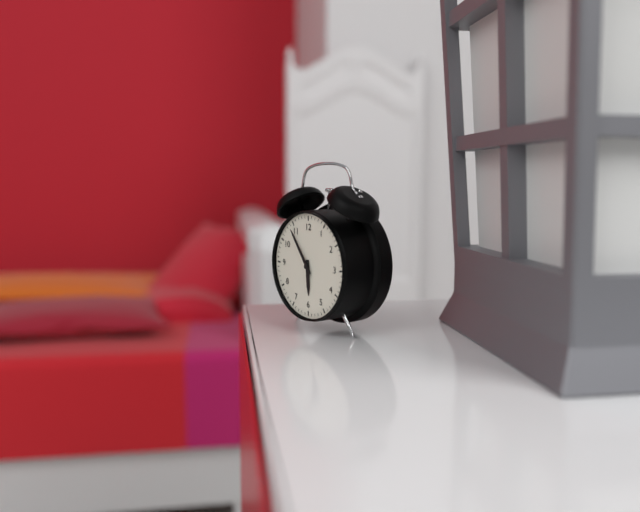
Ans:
h=5 m=54
